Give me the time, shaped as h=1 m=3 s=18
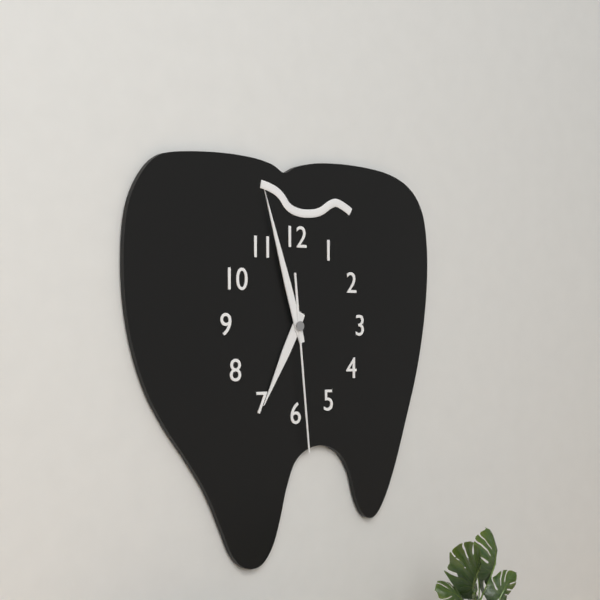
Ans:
h=6 m=57 s=29
